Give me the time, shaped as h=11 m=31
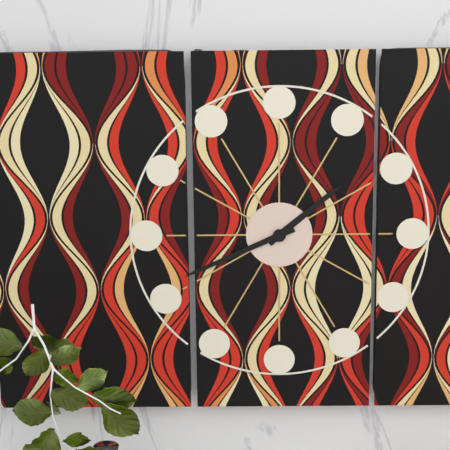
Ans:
h=1 m=41
